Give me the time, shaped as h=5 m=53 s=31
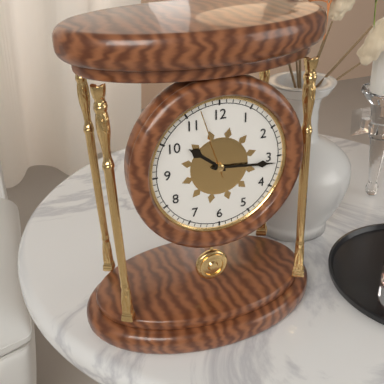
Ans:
h=10 m=16 s=57
